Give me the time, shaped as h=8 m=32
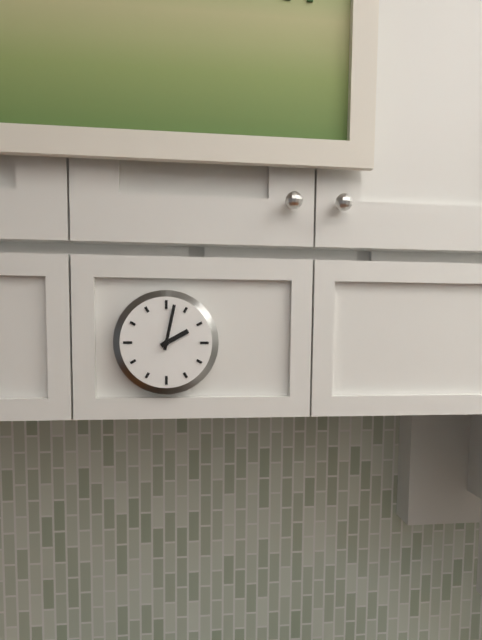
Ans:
h=2 m=2
